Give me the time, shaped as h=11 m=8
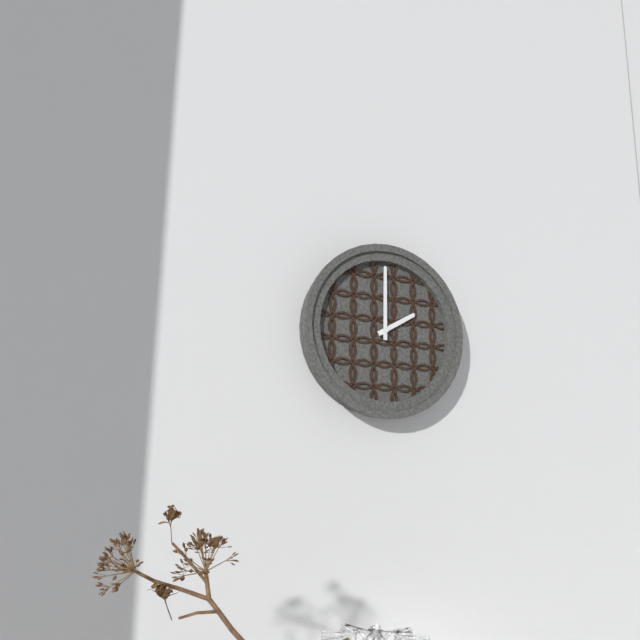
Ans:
h=2 m=0
